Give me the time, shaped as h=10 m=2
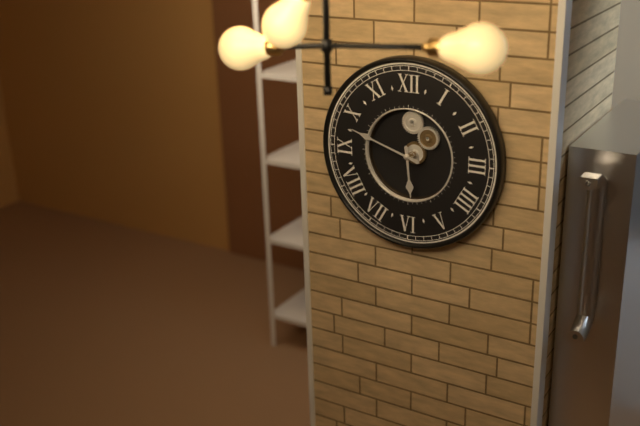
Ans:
h=5 m=48
